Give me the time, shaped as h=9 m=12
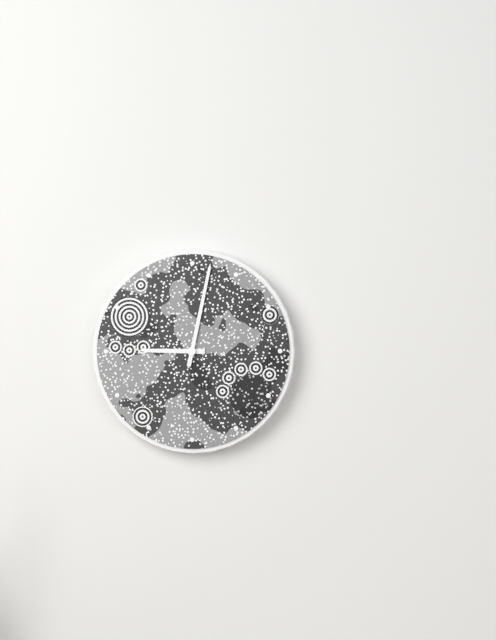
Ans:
h=9 m=2
